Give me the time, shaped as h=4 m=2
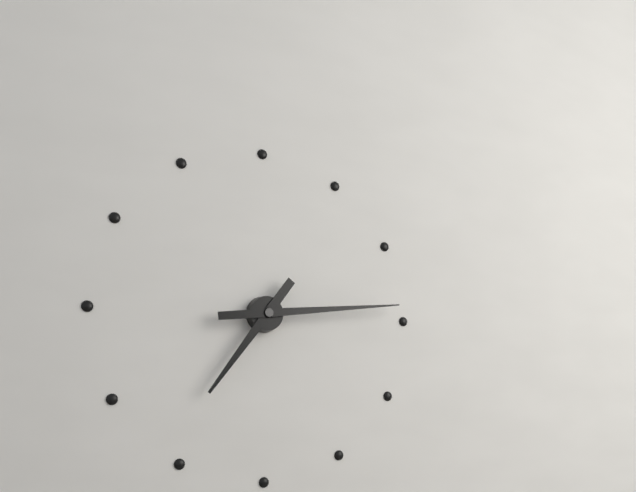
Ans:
h=7 m=14
